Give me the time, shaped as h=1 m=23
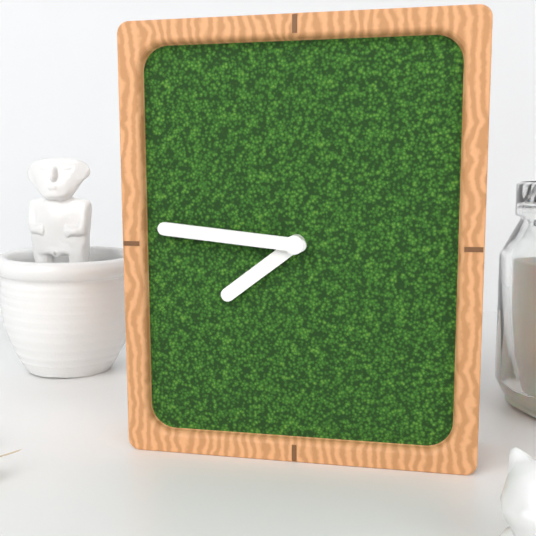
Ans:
h=7 m=46
